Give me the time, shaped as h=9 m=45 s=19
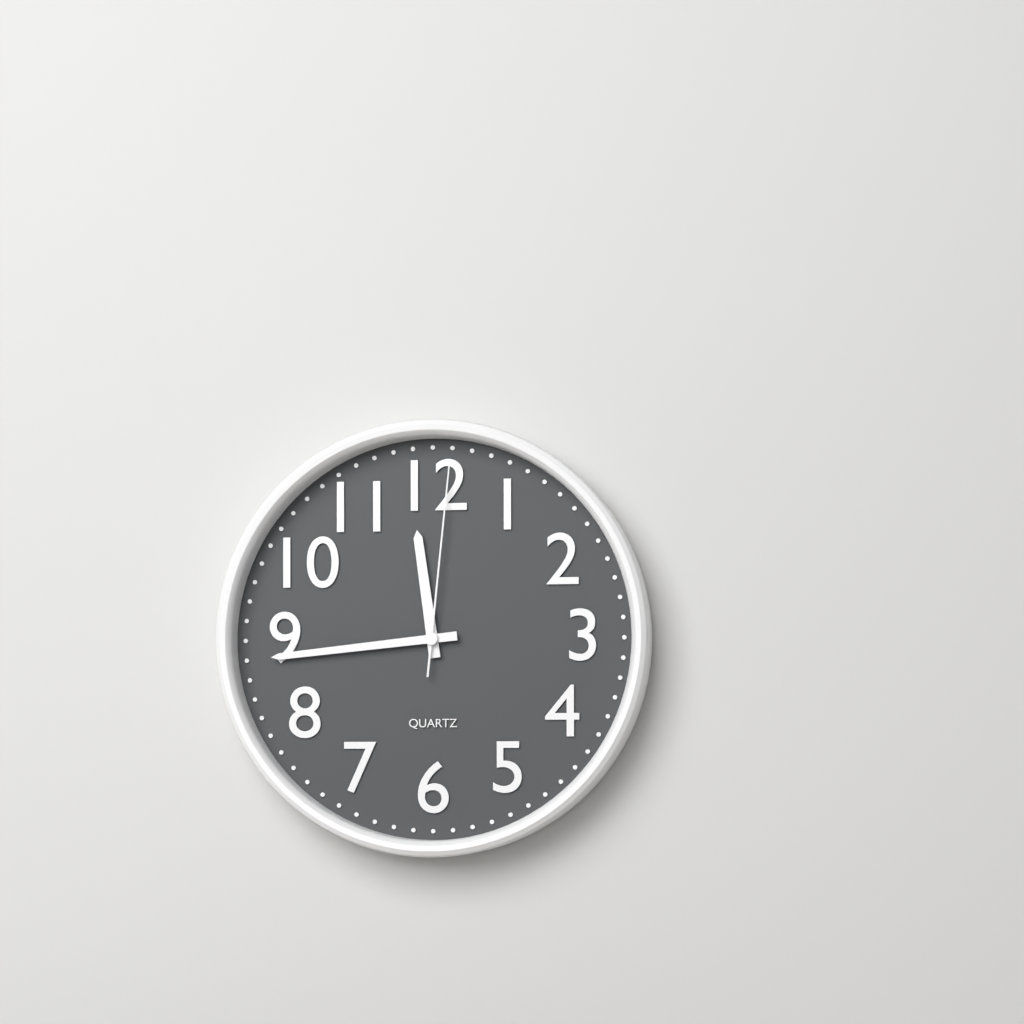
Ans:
h=11 m=44 s=1
